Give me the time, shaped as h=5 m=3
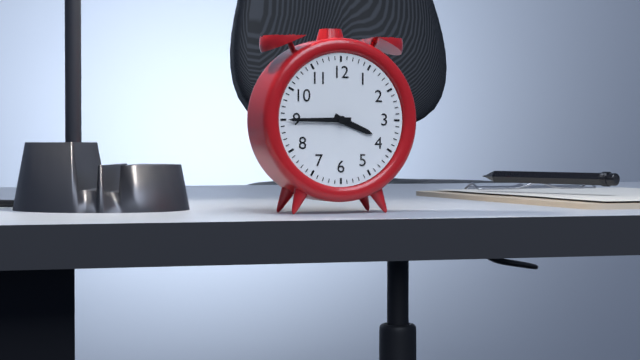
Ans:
h=3 m=45
